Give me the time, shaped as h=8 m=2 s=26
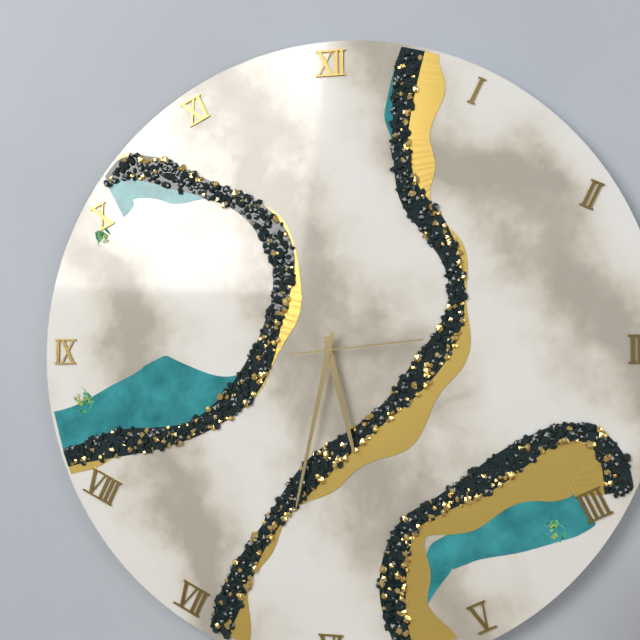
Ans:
h=5 m=32 s=14
